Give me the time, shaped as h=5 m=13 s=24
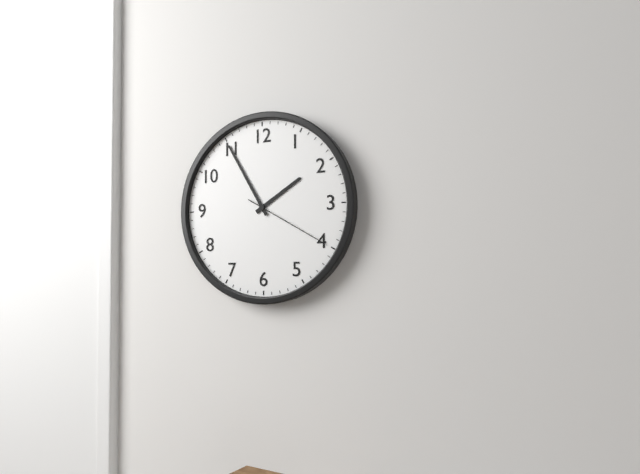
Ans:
h=1 m=55 s=20
